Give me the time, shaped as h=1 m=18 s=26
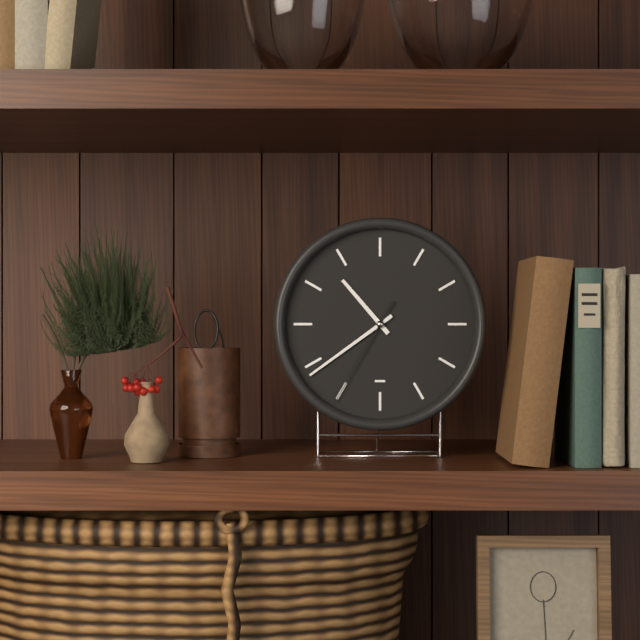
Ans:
h=10 m=39 s=35
